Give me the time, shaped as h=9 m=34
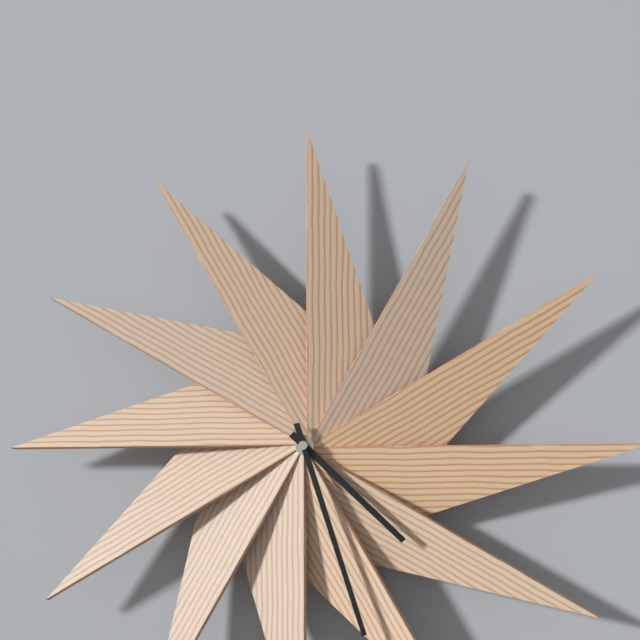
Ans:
h=4 m=27
